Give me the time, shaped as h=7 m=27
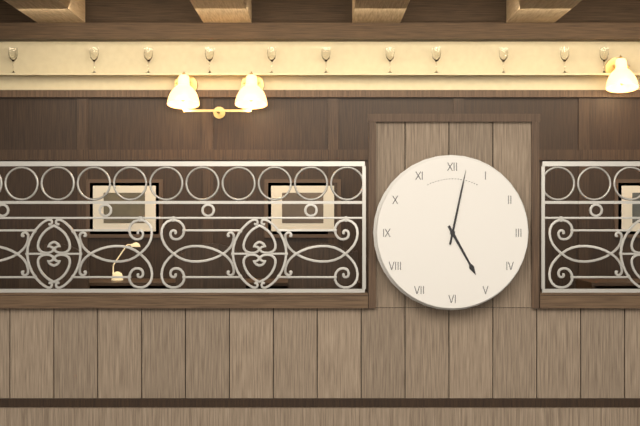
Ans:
h=5 m=2
